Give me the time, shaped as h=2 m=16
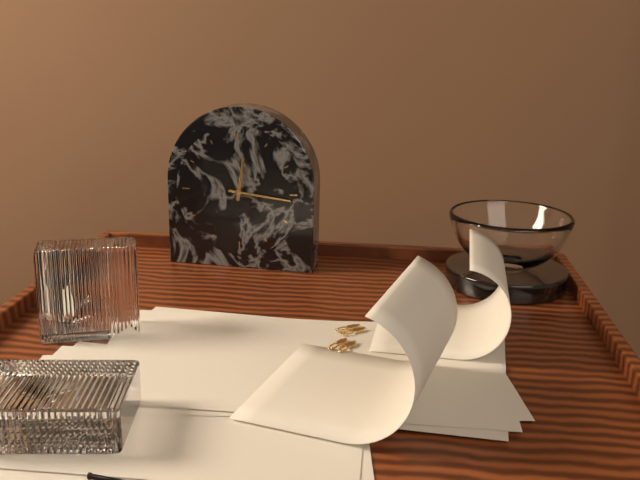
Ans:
h=12 m=16
